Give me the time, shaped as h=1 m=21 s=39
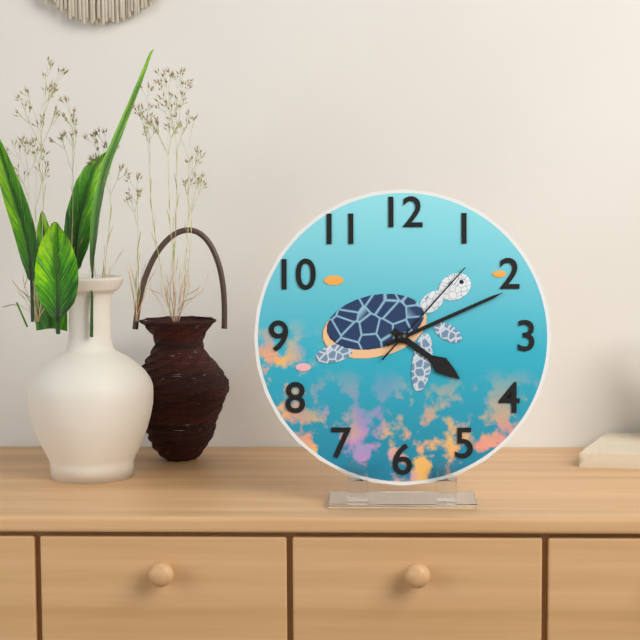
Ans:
h=4 m=11 s=7
